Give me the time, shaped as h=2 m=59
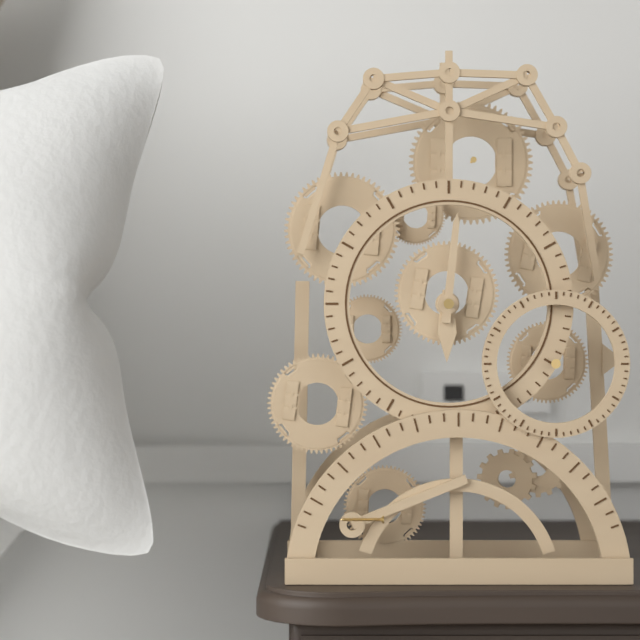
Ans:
h=6 m=1
